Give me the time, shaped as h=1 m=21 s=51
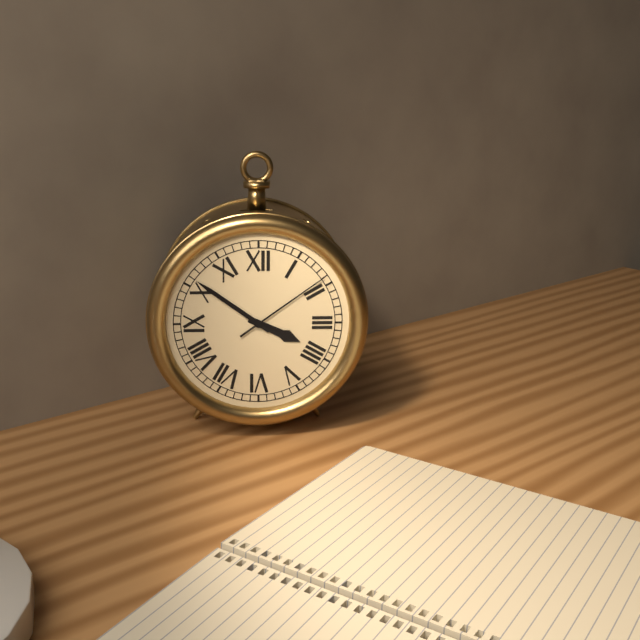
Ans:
h=3 m=51 s=9
